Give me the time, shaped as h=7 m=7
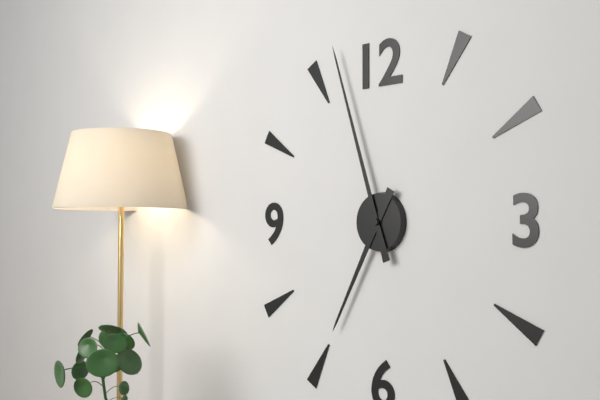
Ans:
h=6 m=57
